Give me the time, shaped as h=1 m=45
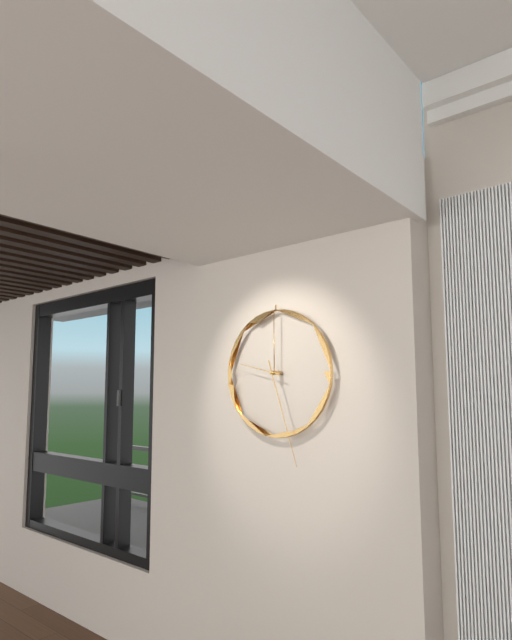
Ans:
h=9 m=27
